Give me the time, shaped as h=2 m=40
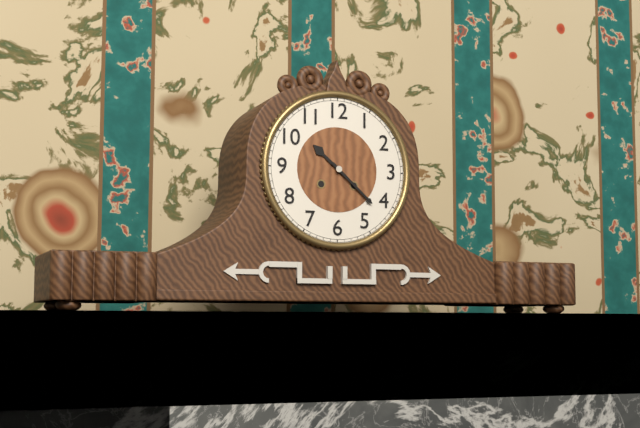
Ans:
h=10 m=22
